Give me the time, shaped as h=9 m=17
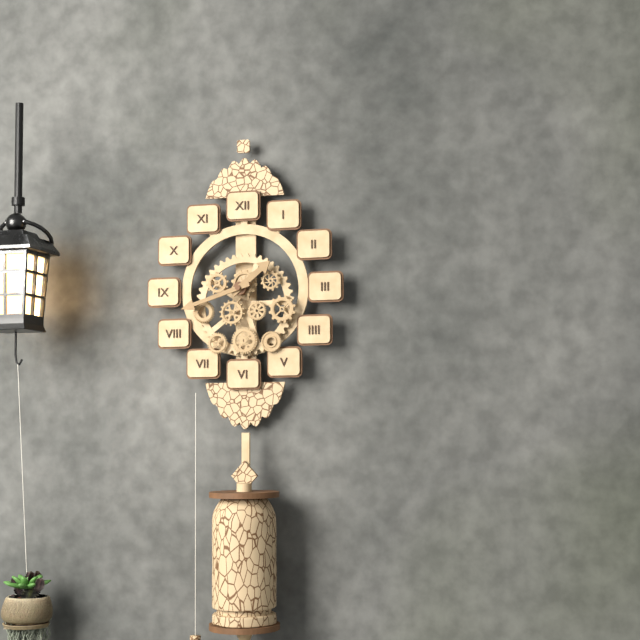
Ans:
h=1 m=42
